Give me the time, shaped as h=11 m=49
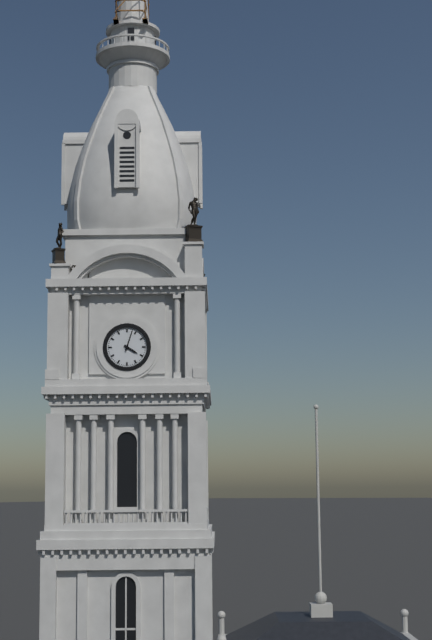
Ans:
h=4 m=3
